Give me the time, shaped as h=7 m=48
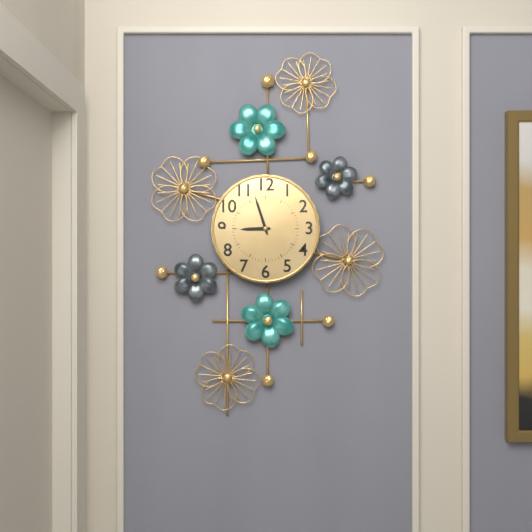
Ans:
h=8 m=57
